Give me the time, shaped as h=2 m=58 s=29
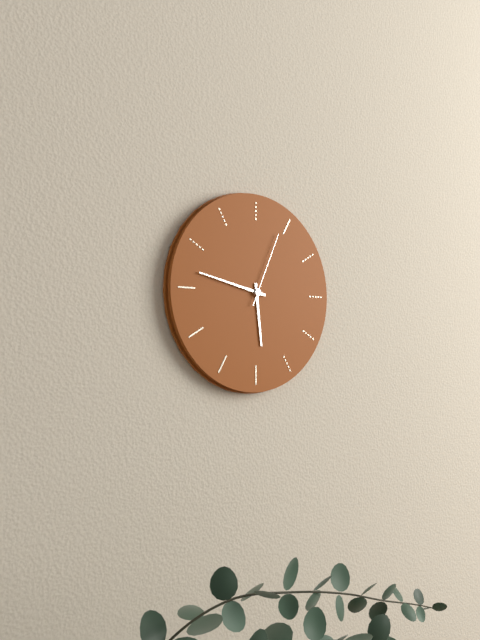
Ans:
h=5 m=47 s=4
